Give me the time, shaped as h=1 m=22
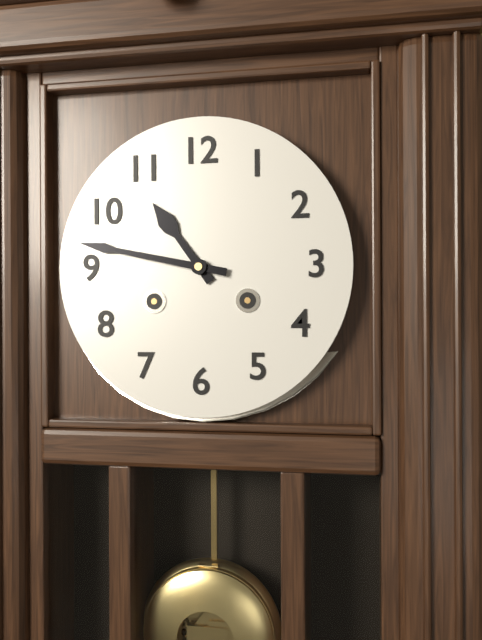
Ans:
h=10 m=47
